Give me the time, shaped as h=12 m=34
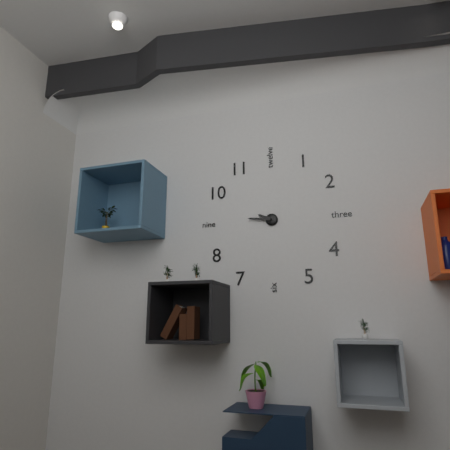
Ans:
h=9 m=46
